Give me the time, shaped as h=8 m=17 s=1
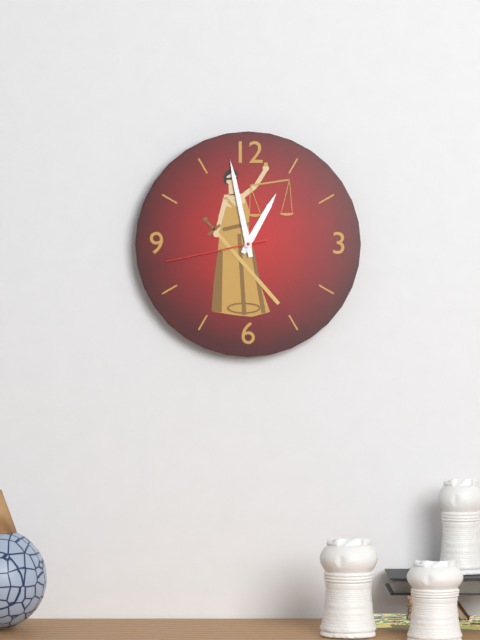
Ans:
h=12 m=58 s=43
